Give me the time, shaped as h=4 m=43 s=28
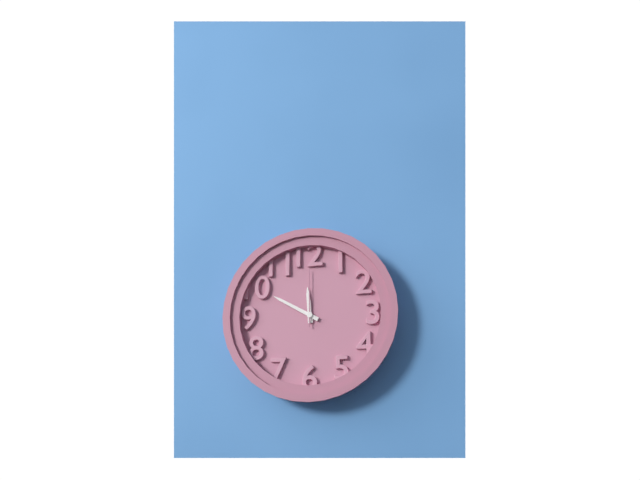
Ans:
h=11 m=50 s=0
